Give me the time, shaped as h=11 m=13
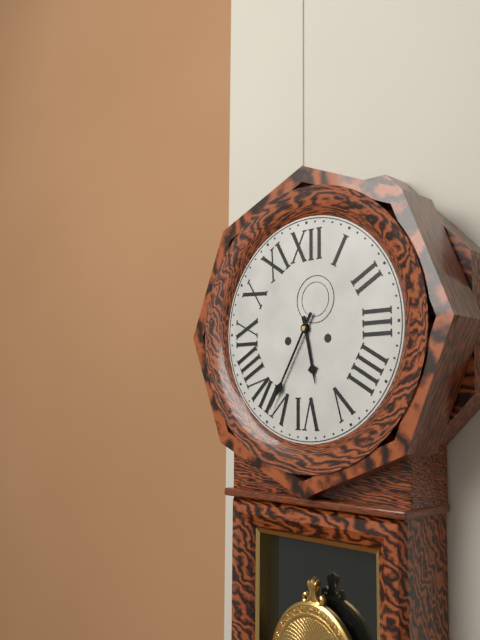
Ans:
h=5 m=35
